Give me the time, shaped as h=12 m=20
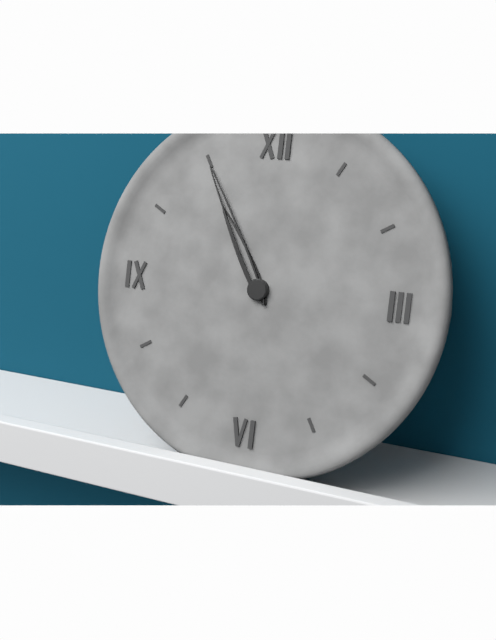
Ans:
h=10 m=55
